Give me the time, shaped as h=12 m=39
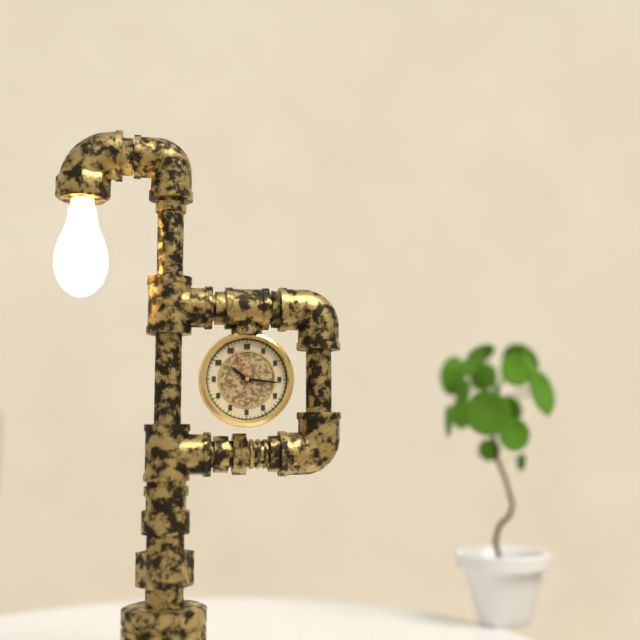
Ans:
h=10 m=16
